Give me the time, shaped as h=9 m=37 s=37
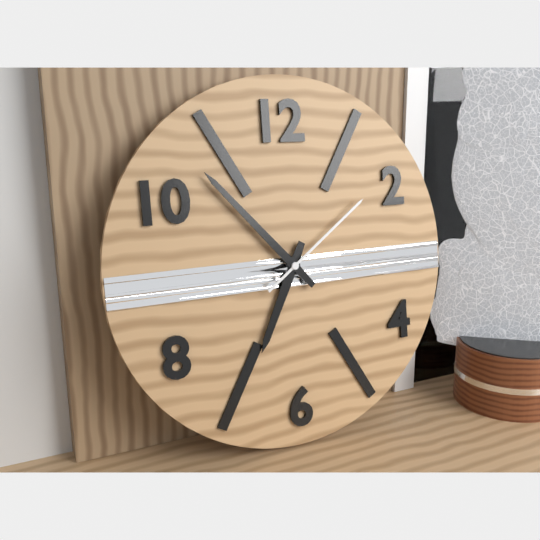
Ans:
h=6 m=53 s=9
